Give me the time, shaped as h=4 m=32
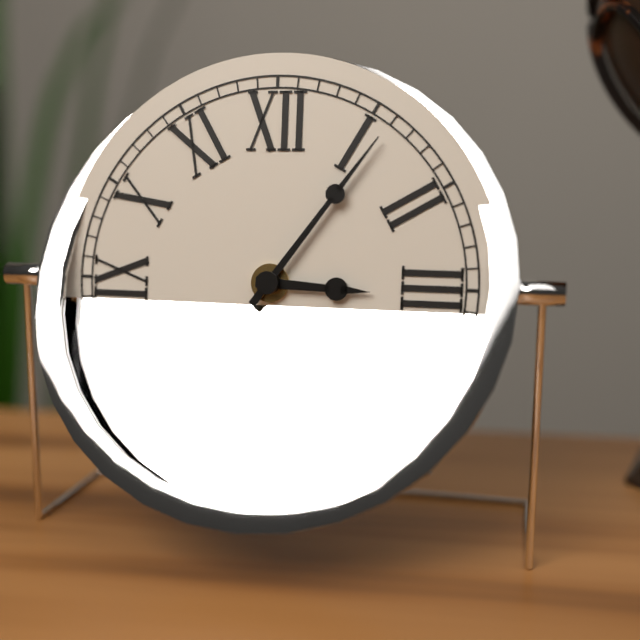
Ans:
h=3 m=6
